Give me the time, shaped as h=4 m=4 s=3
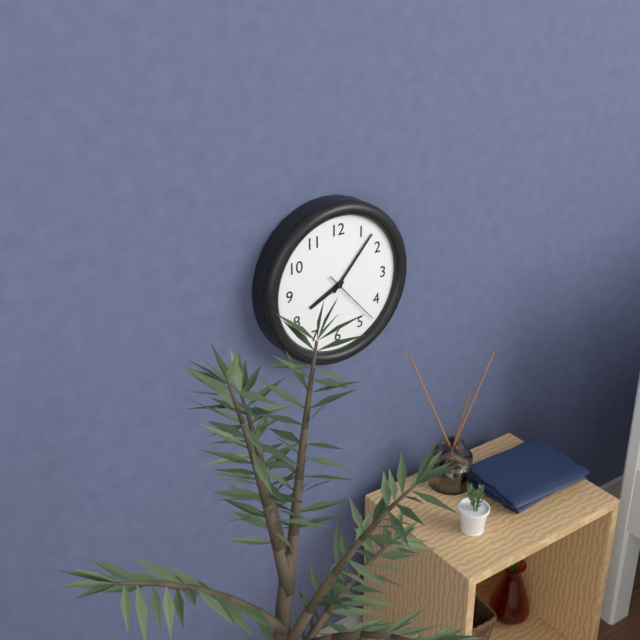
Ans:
h=8 m=7 s=23
